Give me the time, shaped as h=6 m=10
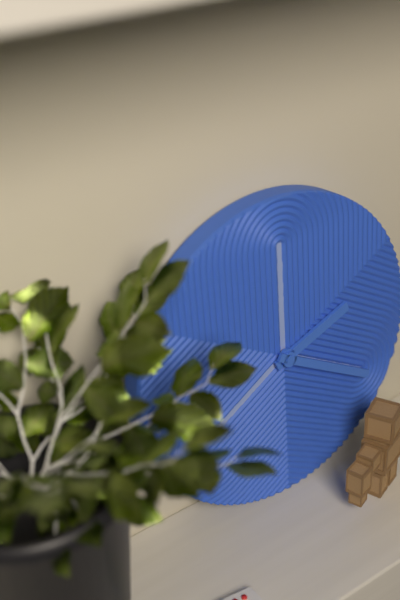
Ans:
h=2 m=20
